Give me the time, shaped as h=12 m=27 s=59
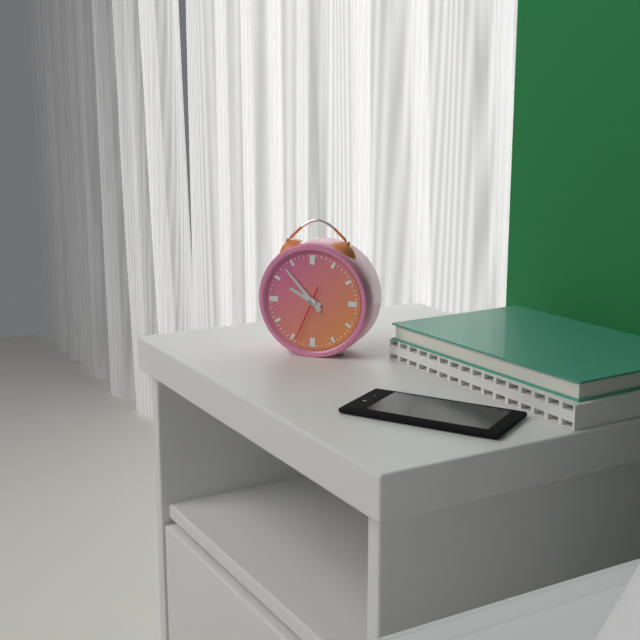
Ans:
h=9 m=53 s=34
